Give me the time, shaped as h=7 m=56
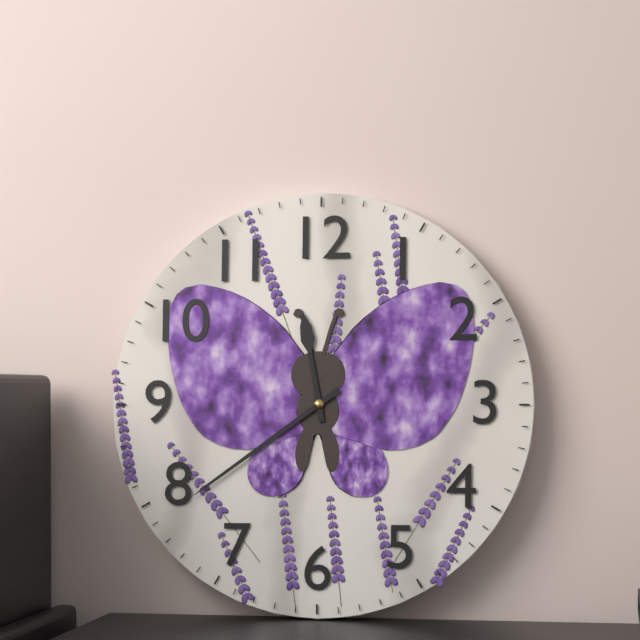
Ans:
h=11 m=39
